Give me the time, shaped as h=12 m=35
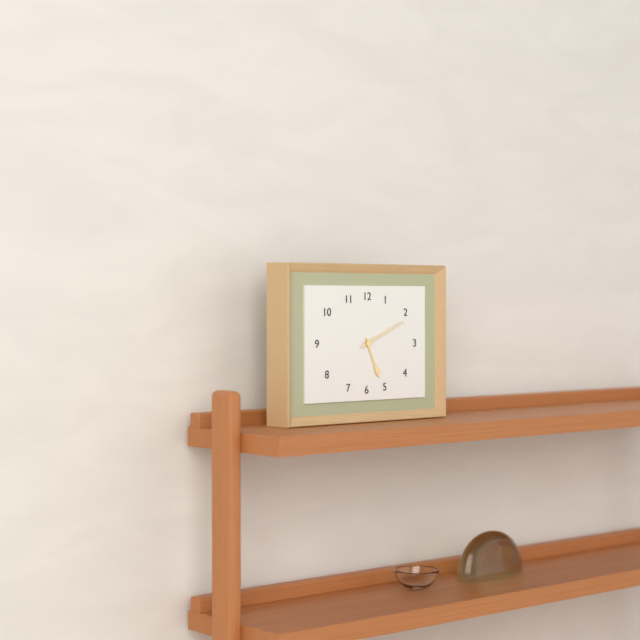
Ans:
h=5 m=11
